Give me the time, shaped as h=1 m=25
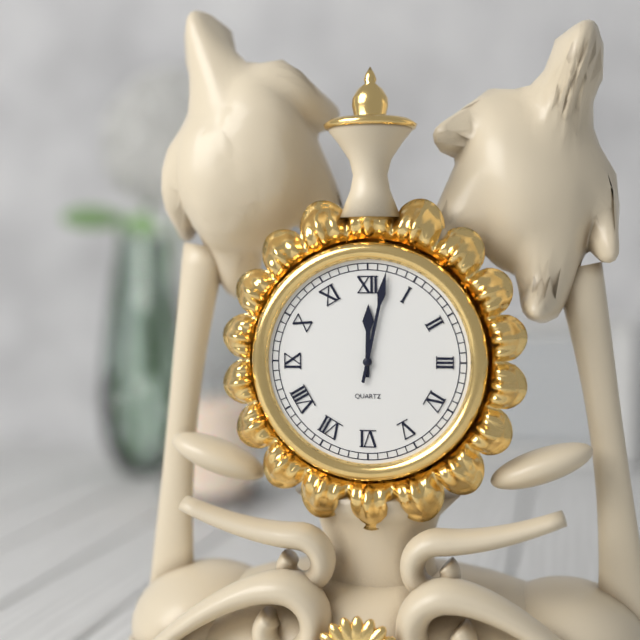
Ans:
h=12 m=2
